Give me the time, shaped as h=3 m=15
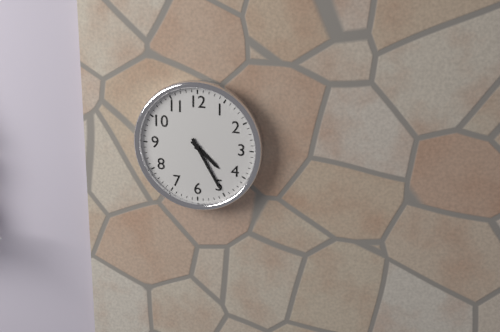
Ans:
h=4 m=25
